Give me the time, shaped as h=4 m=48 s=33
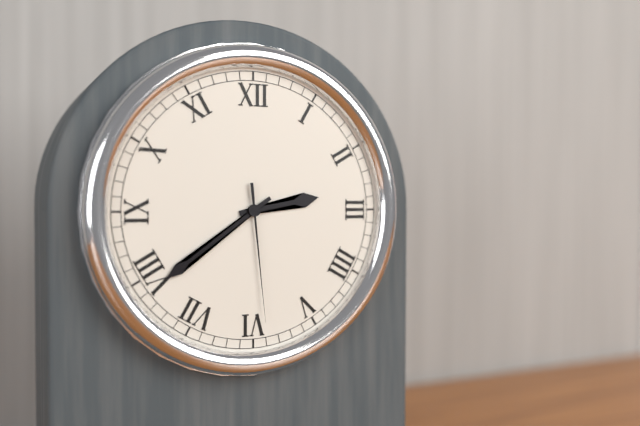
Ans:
h=2 m=39 s=29
